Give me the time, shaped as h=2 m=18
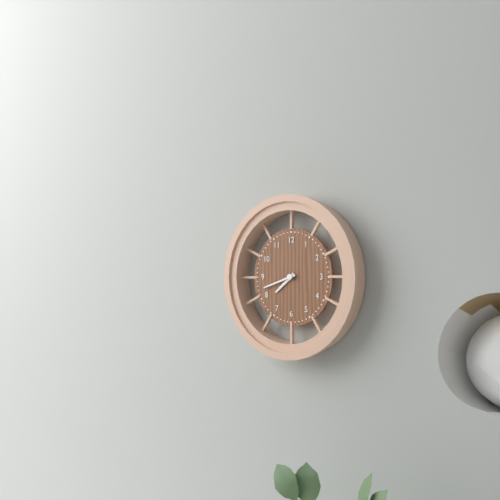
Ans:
h=7 m=42
